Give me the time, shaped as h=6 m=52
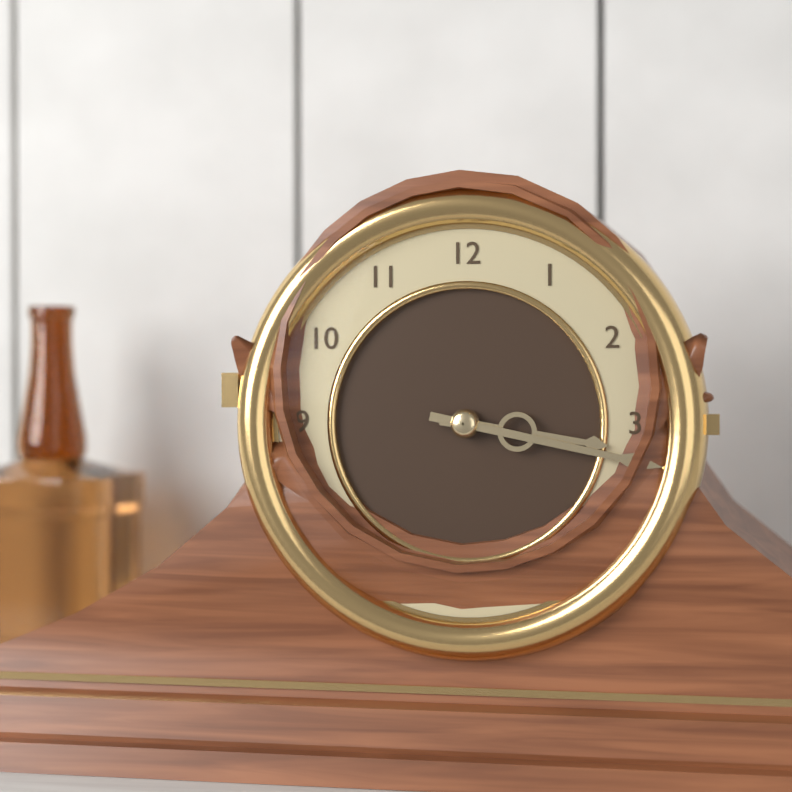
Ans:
h=3 m=17
